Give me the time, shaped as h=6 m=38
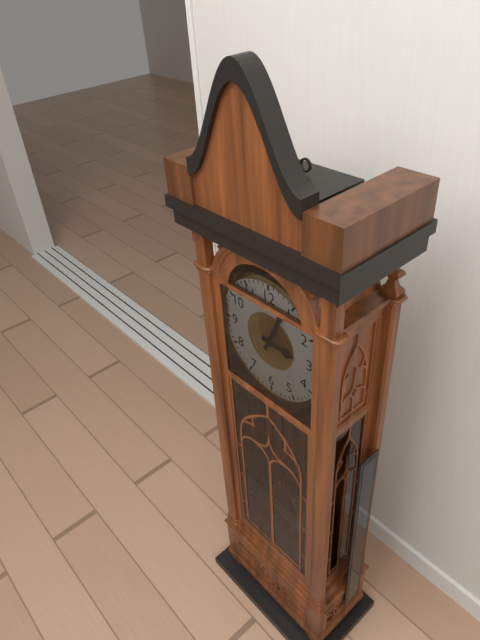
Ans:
h=3 m=4
